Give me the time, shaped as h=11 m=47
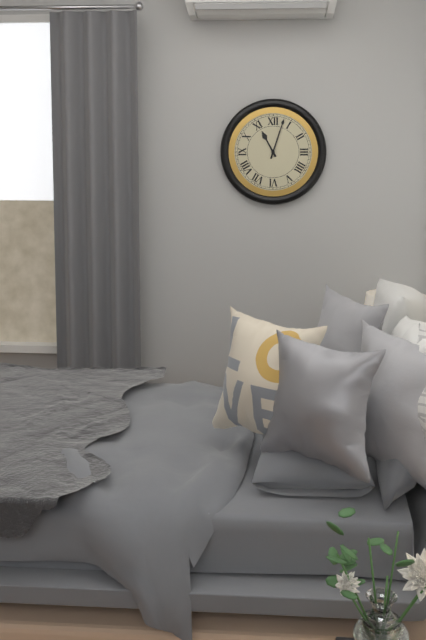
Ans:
h=11 m=3
